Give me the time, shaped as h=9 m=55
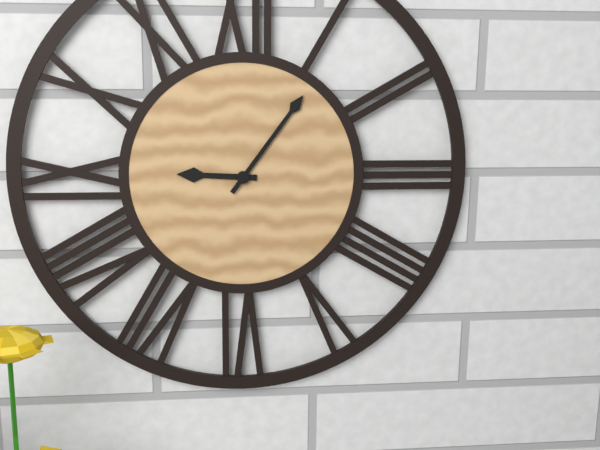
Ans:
h=9 m=6
